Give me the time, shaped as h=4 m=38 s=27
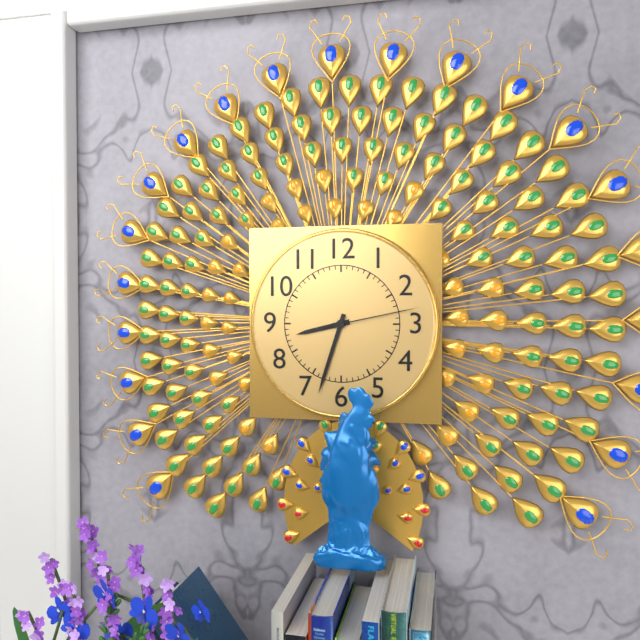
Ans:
h=8 m=33 s=13
